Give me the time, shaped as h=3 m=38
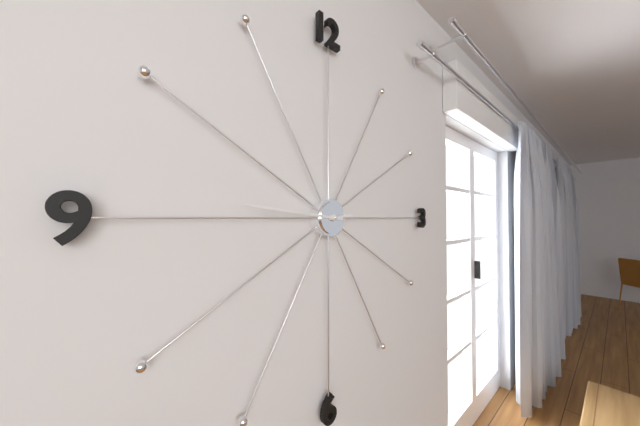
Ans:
h=2 m=46
